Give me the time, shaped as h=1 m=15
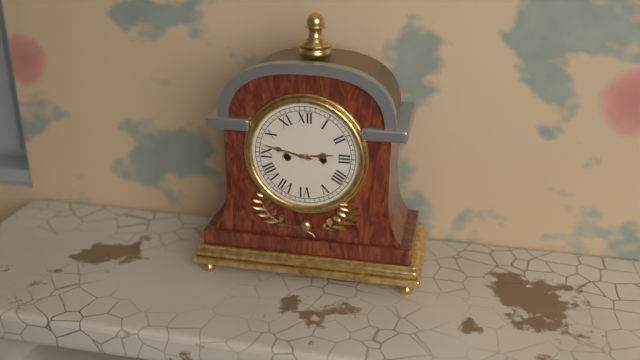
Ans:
h=2 m=47
